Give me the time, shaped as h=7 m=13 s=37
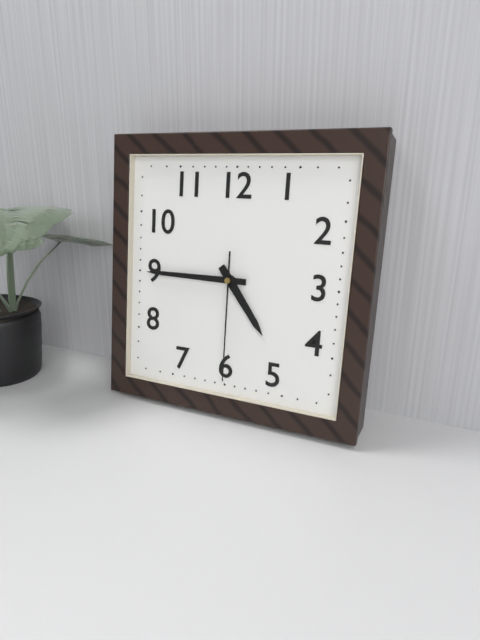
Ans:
h=4 m=45 s=30
